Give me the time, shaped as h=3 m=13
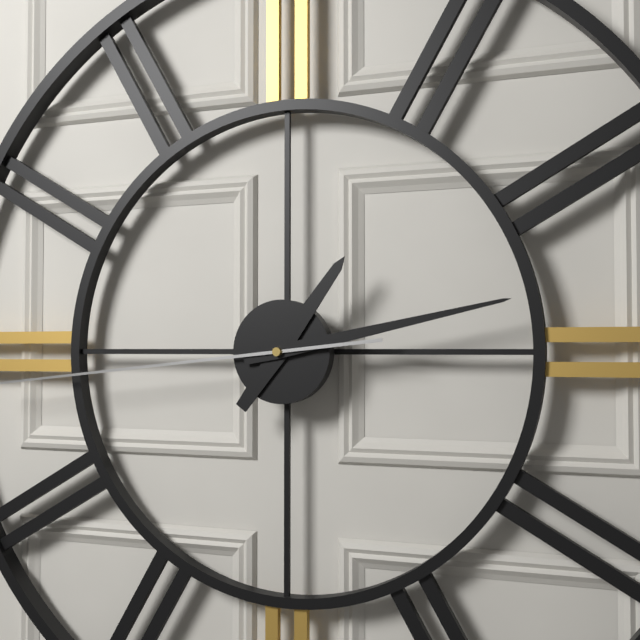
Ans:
h=1 m=13
